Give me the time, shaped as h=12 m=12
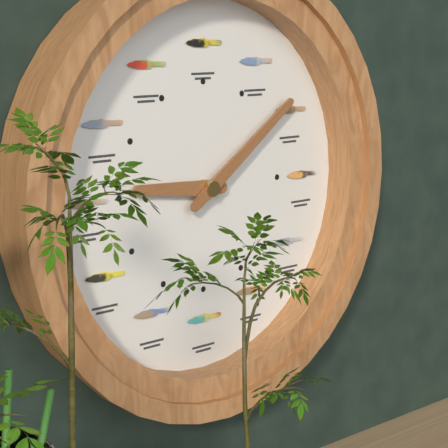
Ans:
h=9 m=9
